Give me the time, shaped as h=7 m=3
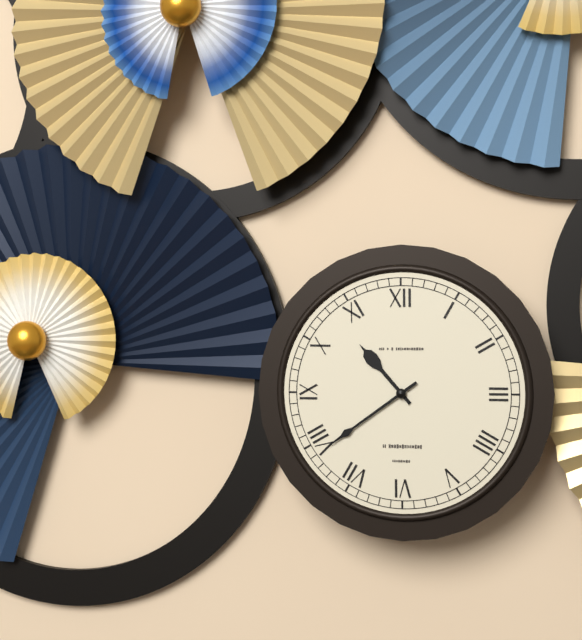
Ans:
h=10 m=39
